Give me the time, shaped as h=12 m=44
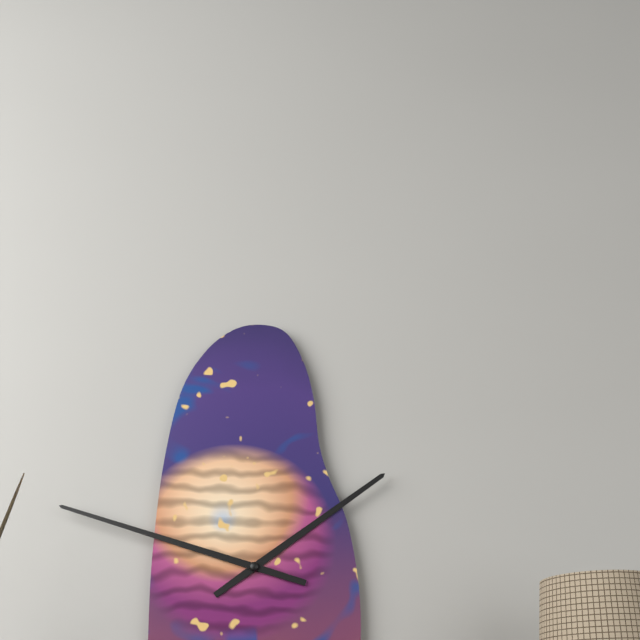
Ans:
h=1 m=48
